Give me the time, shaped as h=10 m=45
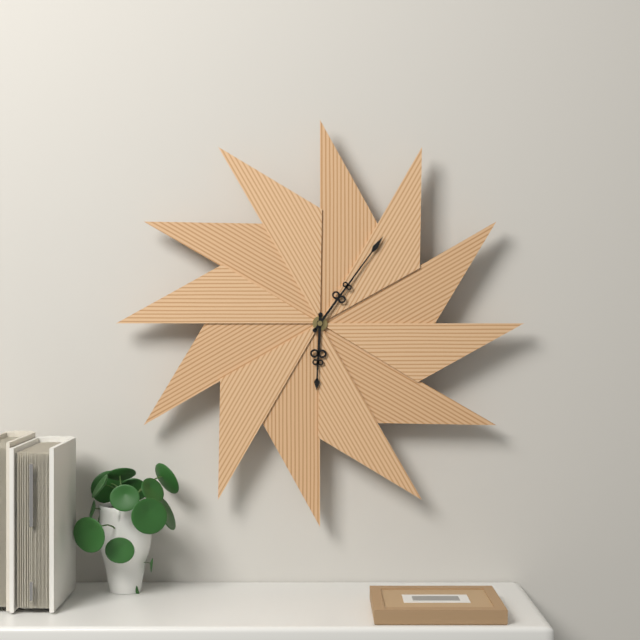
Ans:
h=6 m=6
